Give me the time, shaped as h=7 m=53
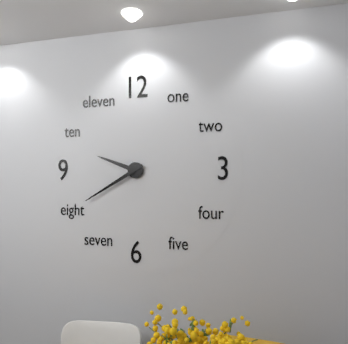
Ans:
h=9 m=40
